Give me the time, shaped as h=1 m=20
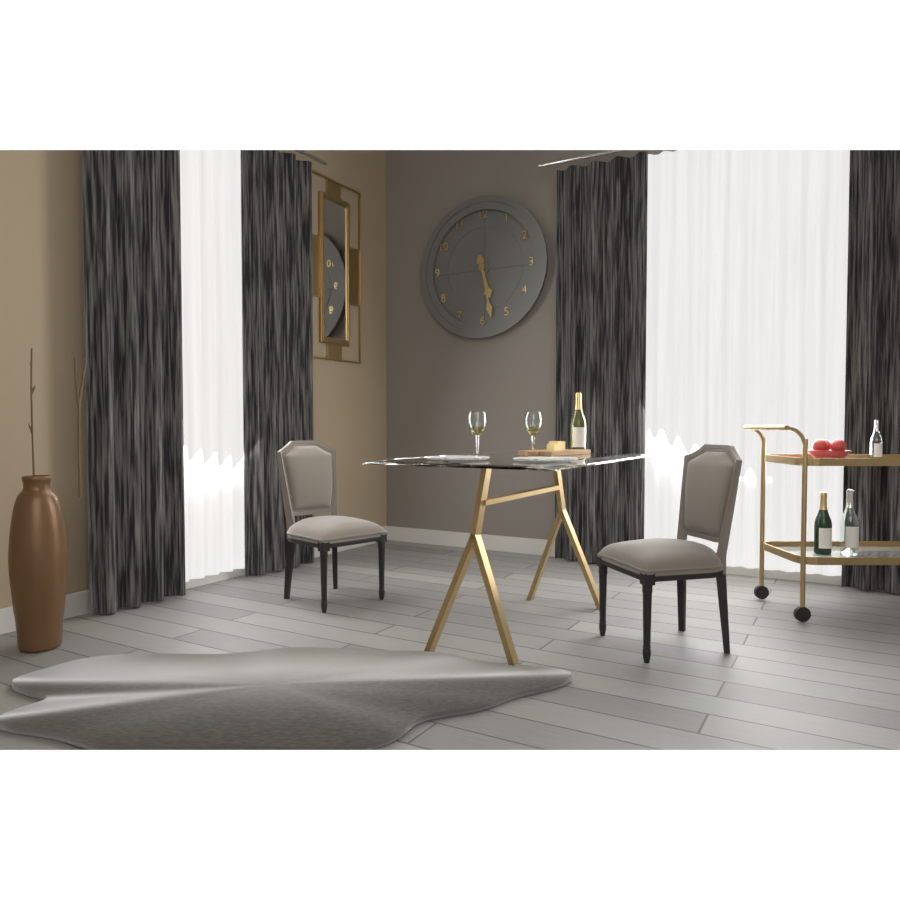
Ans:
h=5 m=28
